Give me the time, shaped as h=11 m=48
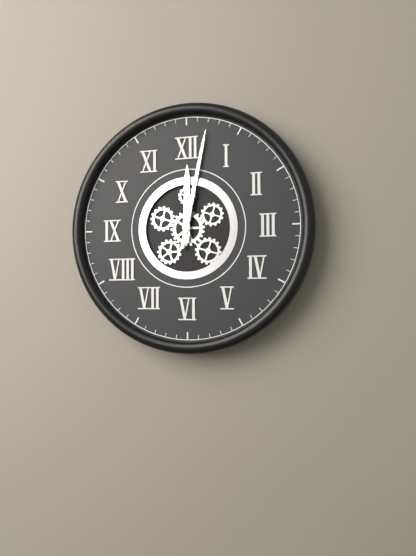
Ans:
h=12 m=2
